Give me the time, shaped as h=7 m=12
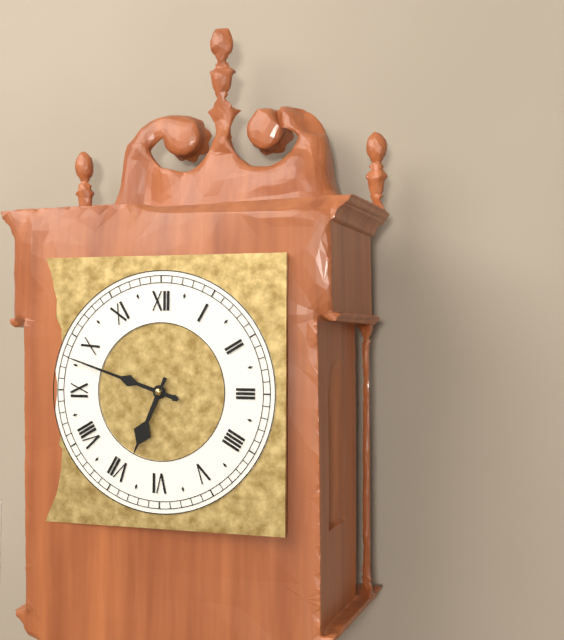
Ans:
h=6 m=48
